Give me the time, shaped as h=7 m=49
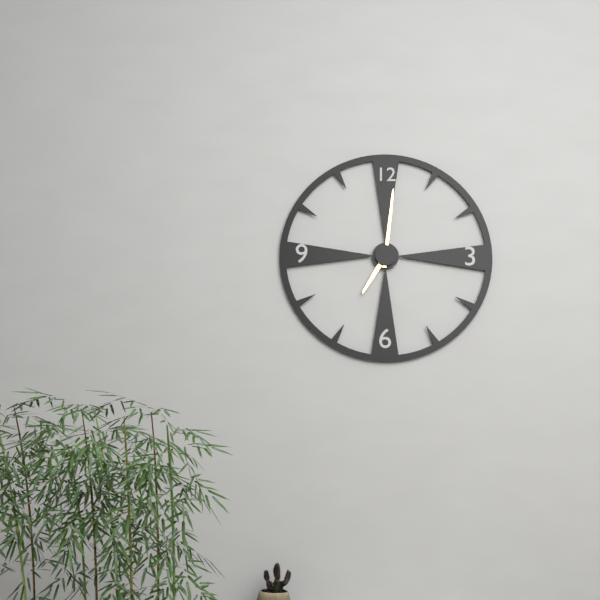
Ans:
h=7 m=1
